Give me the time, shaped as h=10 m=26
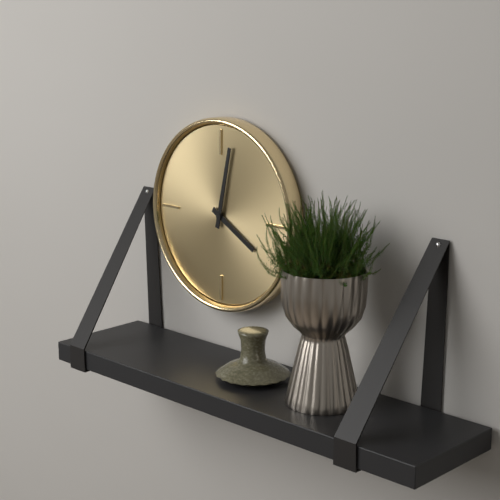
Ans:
h=4 m=2
